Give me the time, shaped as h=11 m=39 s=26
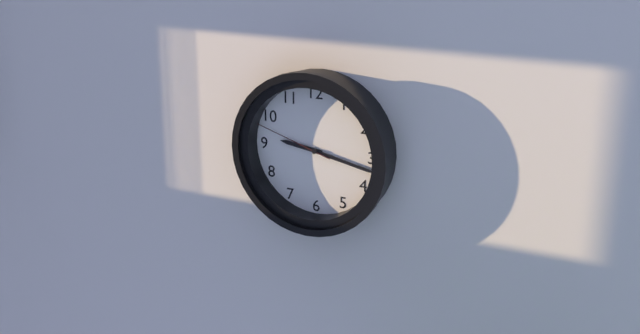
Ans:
h=9 m=17 s=48
